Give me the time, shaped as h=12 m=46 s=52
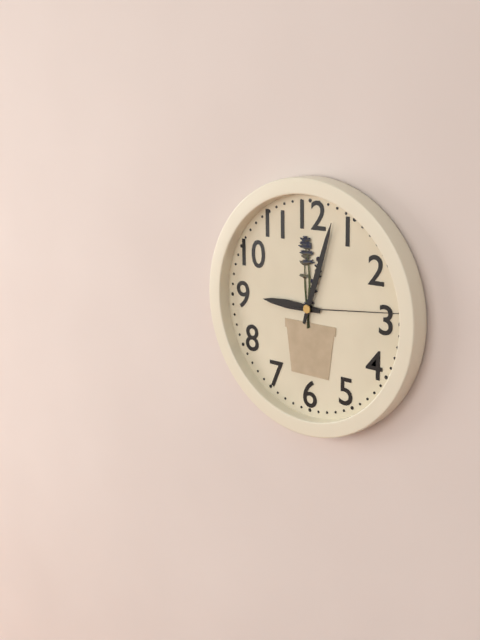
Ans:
h=9 m=3 s=14
